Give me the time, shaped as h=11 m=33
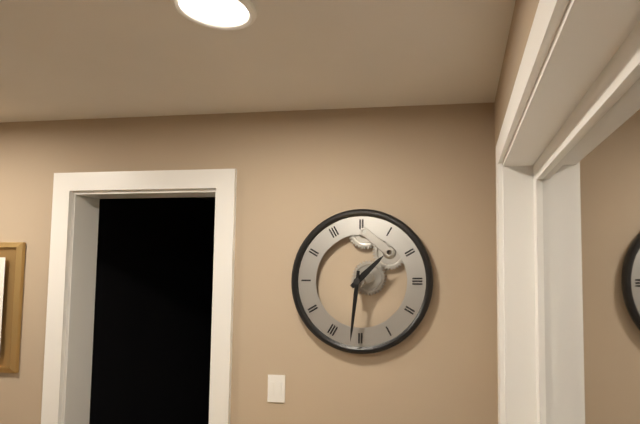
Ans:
h=1 m=31
